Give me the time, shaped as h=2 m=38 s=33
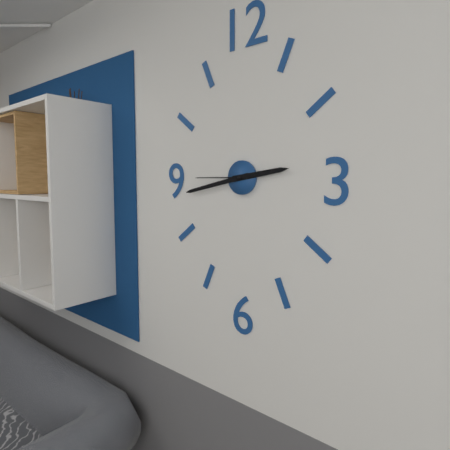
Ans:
h=2 m=43 s=45
